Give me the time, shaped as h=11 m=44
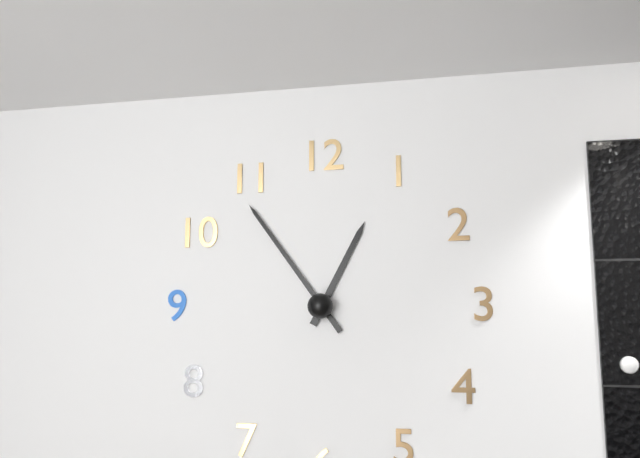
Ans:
h=12 m=54
